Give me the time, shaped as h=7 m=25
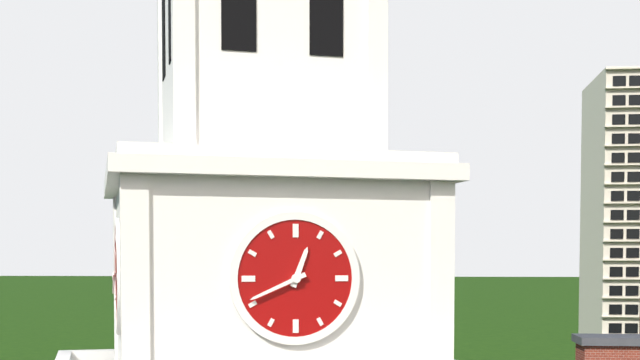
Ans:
h=12 m=41
